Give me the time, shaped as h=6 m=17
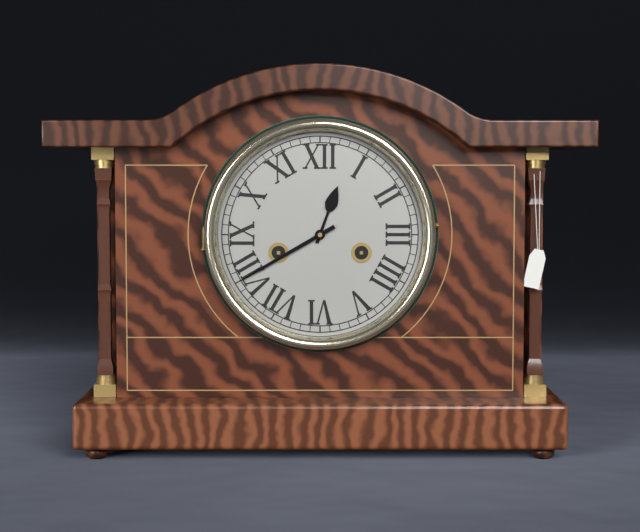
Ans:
h=12 m=40
